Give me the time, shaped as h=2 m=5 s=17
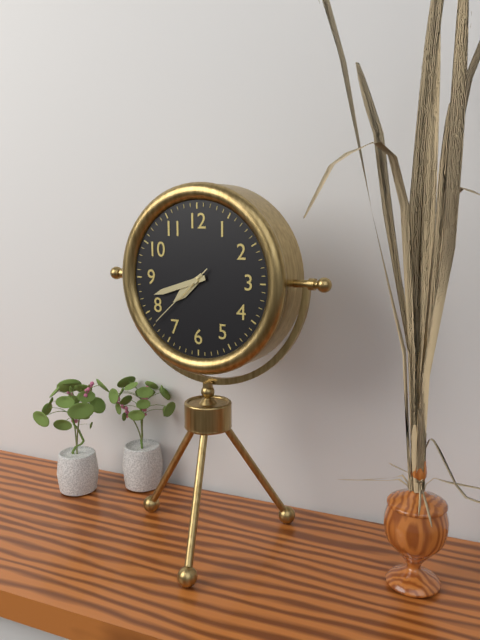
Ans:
h=7 m=42 s=38
